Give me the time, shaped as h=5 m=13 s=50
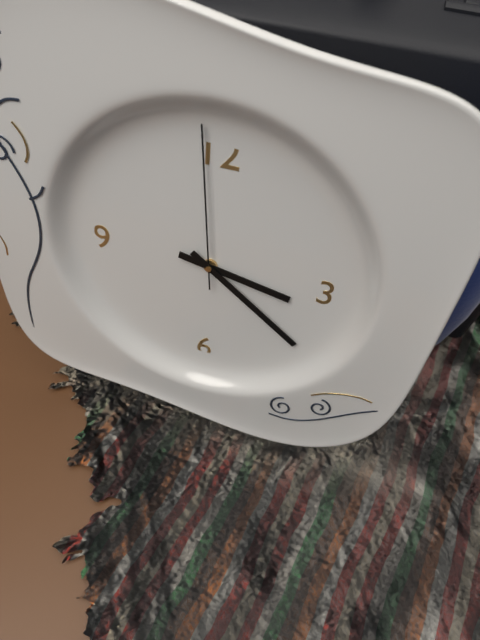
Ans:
h=3 m=21 s=59
